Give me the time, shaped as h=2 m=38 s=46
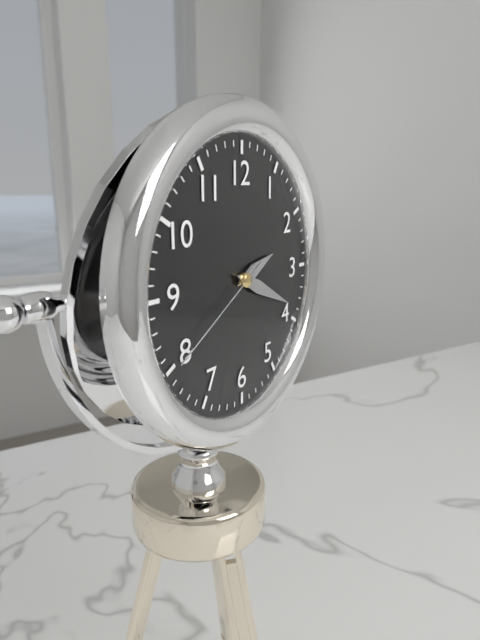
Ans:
h=2 m=19 s=40
